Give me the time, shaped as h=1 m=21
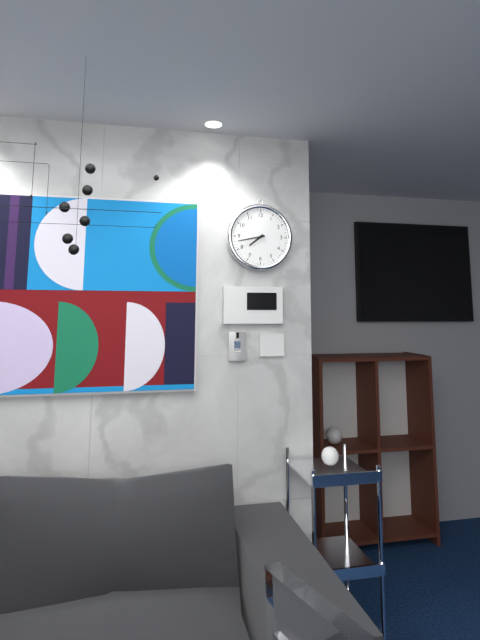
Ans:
h=7 m=43
